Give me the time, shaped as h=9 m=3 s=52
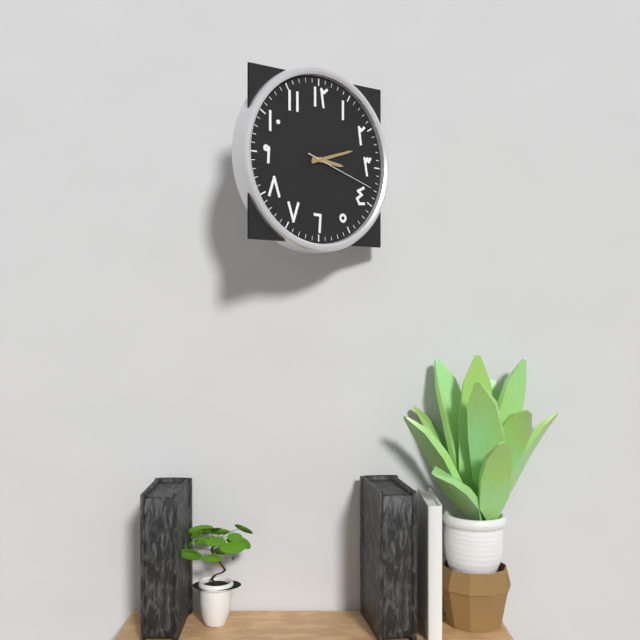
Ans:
h=3 m=12 s=18
